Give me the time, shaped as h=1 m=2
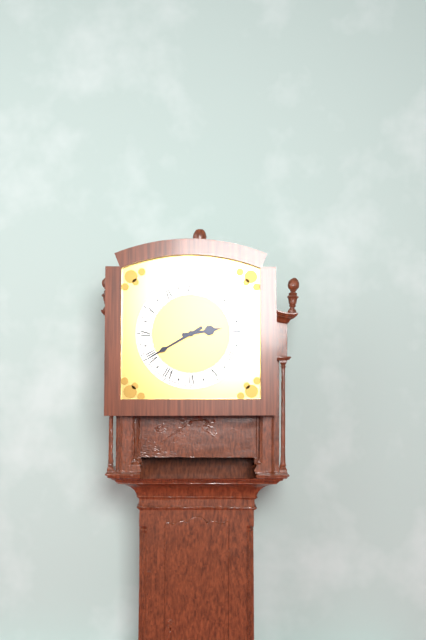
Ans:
h=2 m=40
